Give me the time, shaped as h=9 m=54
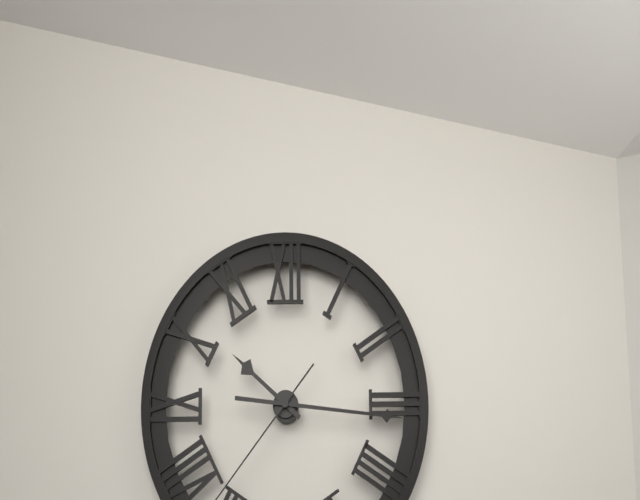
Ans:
h=10 m=16
